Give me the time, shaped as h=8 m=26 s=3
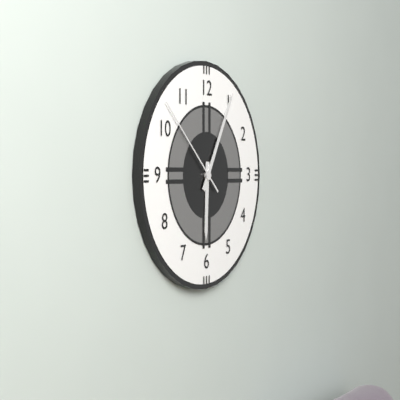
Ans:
h=6 m=5 s=52
